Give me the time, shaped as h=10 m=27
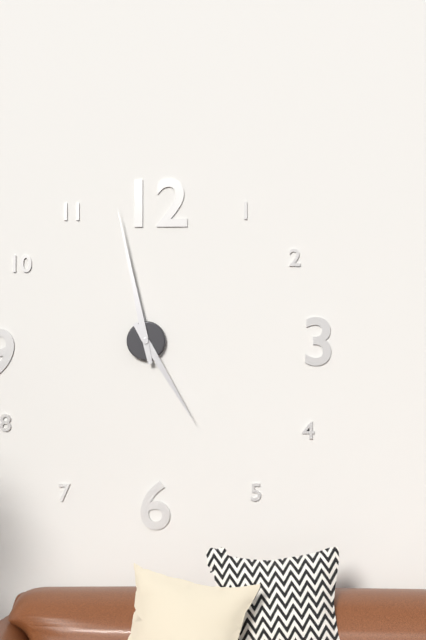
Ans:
h=4 m=58
